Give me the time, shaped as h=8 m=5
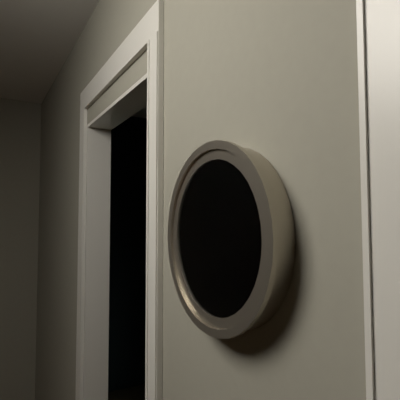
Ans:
h=2 m=22
